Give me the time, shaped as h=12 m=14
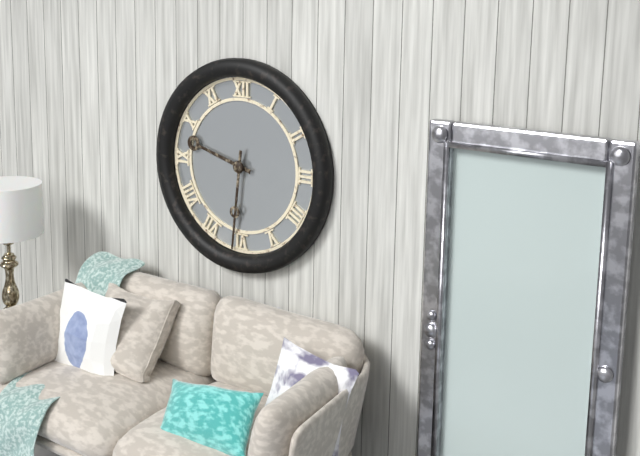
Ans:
h=9 m=31
